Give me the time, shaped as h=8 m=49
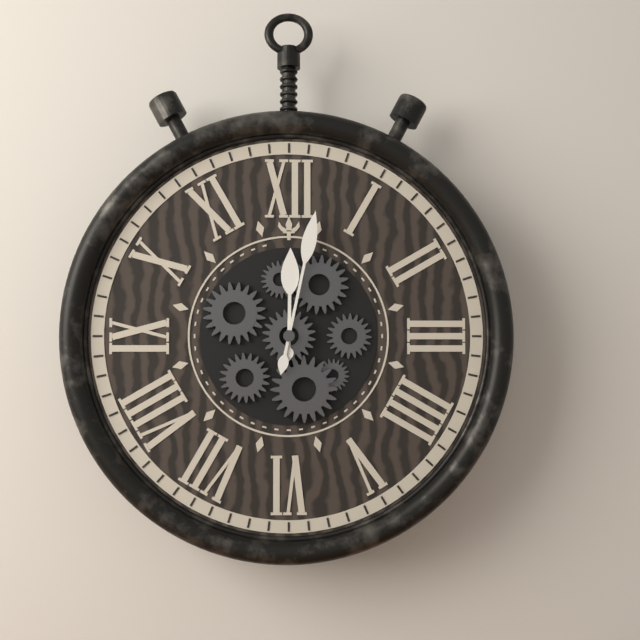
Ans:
h=12 m=2
